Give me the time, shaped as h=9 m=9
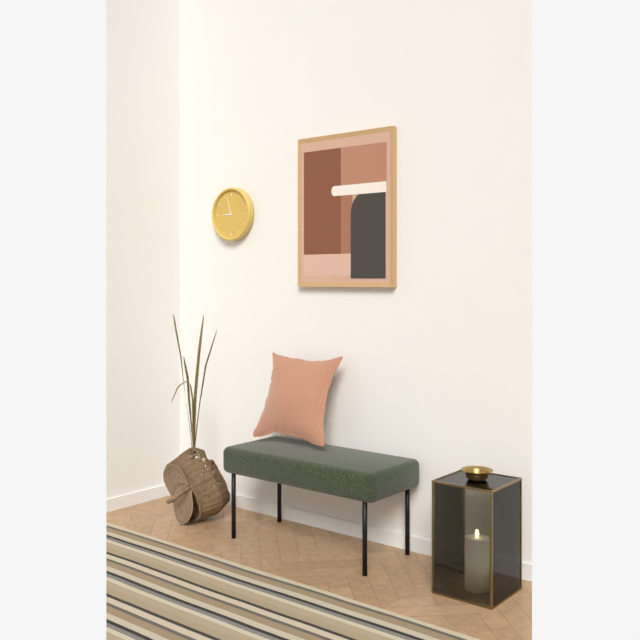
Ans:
h=8 m=57
